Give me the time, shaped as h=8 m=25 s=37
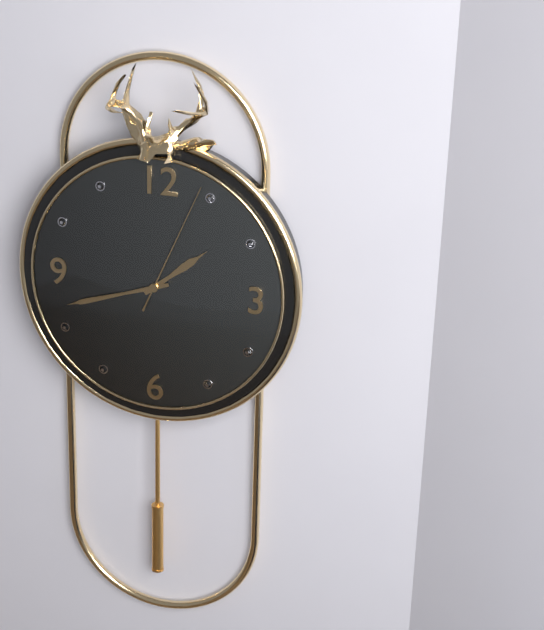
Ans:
h=1 m=42 s=4
